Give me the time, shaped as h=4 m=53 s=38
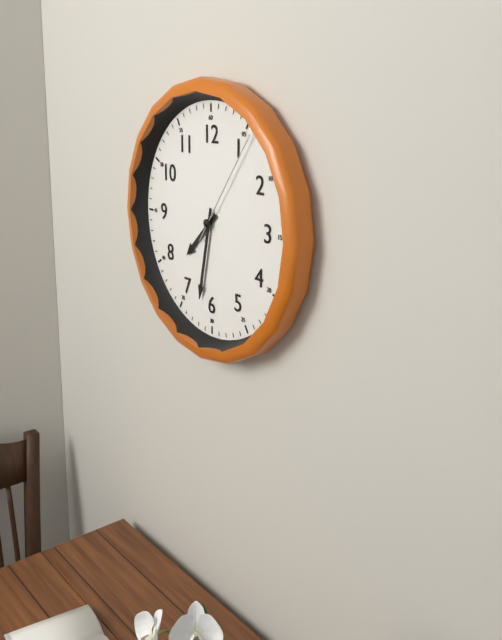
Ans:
h=7 m=32 s=6
